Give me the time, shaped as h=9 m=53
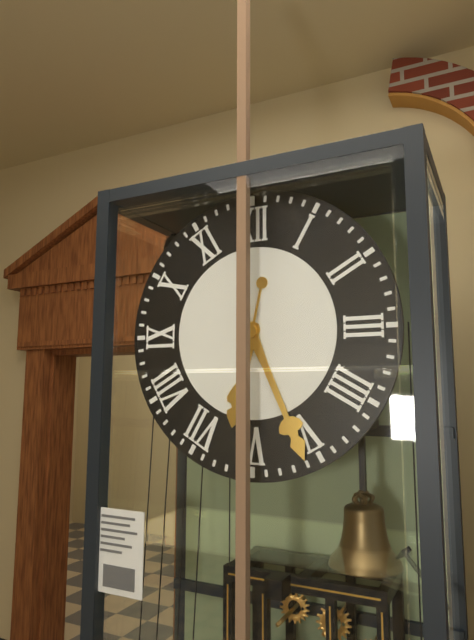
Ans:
h=6 m=26
